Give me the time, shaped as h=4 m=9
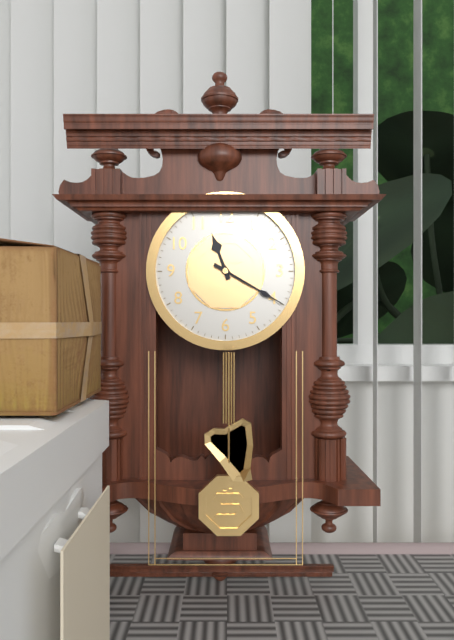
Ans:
h=11 m=20
